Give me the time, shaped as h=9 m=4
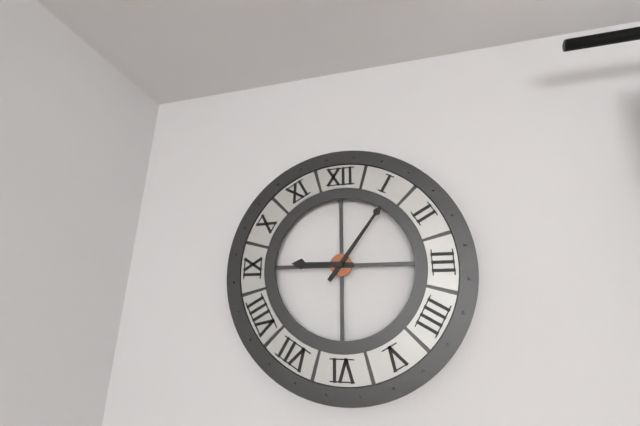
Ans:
h=9 m=6
